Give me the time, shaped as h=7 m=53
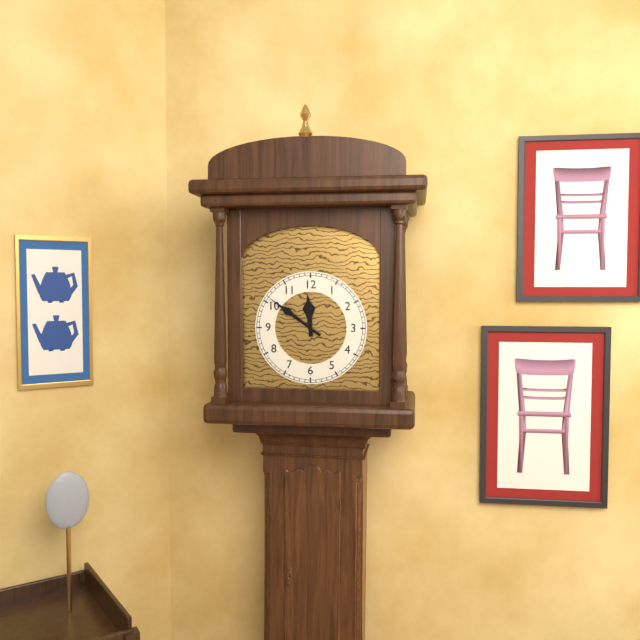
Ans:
h=11 m=51
